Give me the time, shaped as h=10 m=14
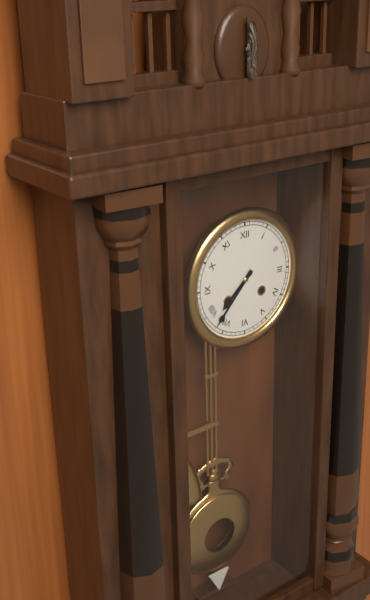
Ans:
h=7 m=37
